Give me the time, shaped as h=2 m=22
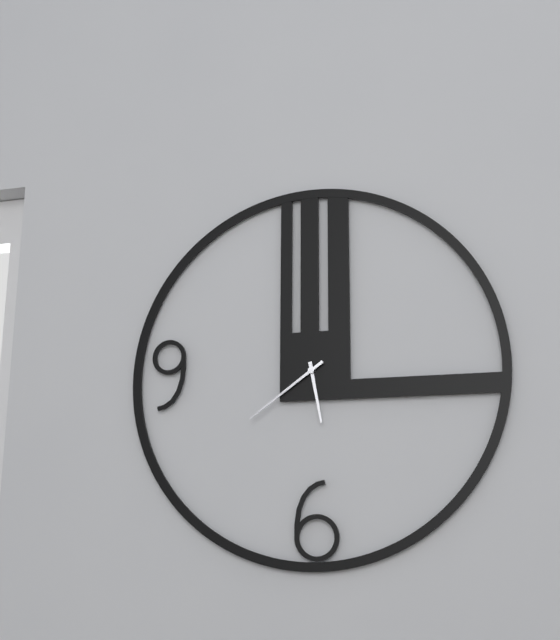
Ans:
h=5 m=39
